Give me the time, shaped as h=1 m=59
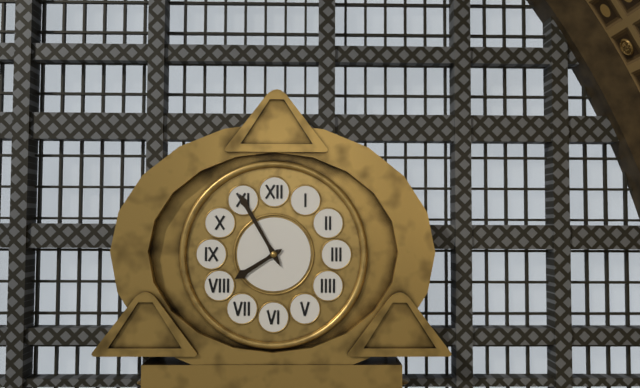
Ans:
h=7 m=55
